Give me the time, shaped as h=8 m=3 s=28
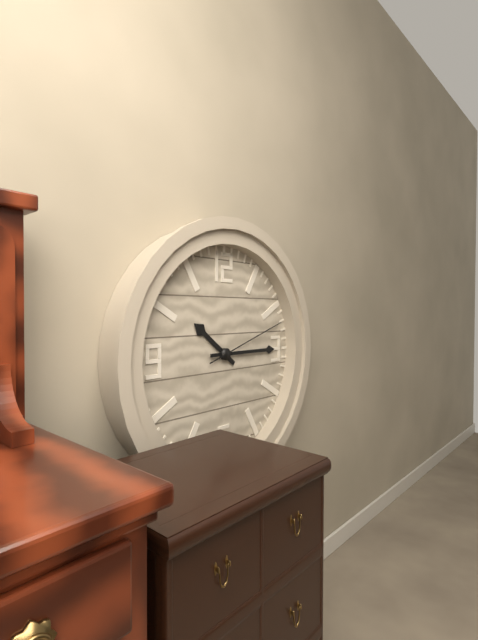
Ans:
h=10 m=15 s=12
